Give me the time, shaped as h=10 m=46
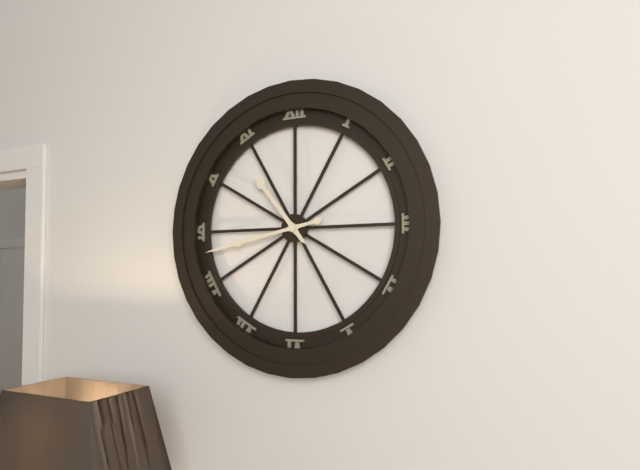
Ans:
h=10 m=43
